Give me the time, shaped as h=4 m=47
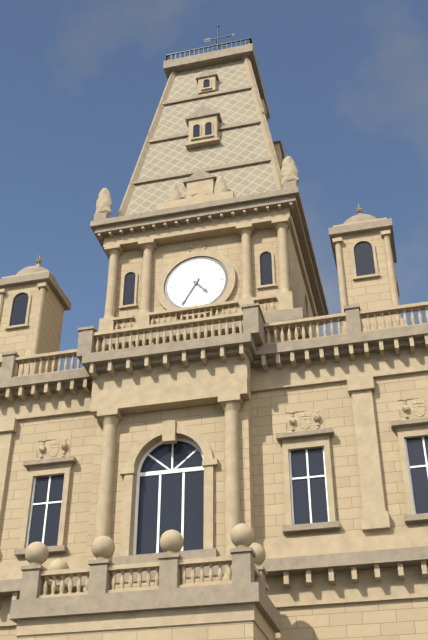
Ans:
h=4 m=35
